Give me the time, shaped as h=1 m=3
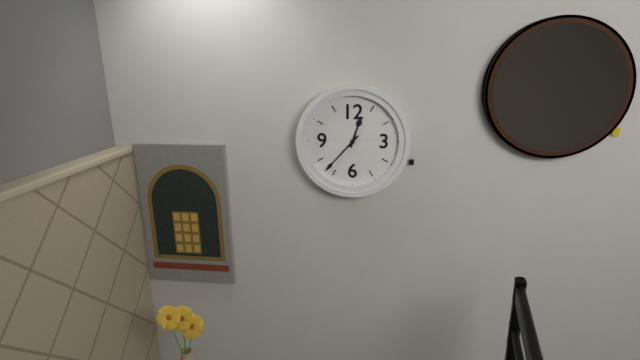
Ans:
h=12 m=37
